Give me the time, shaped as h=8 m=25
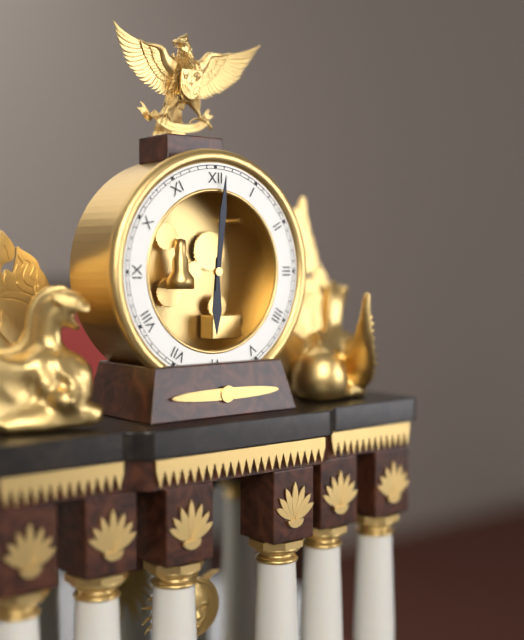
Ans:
h=6 m=1
